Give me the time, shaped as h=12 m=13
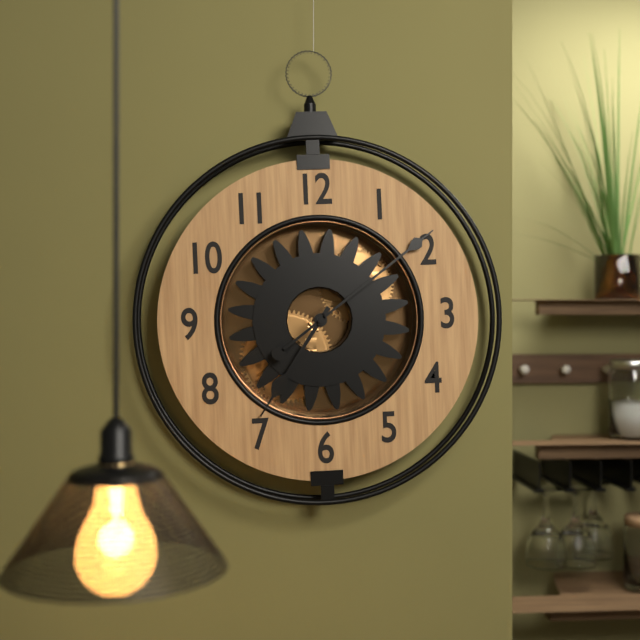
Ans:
h=7 m=9
